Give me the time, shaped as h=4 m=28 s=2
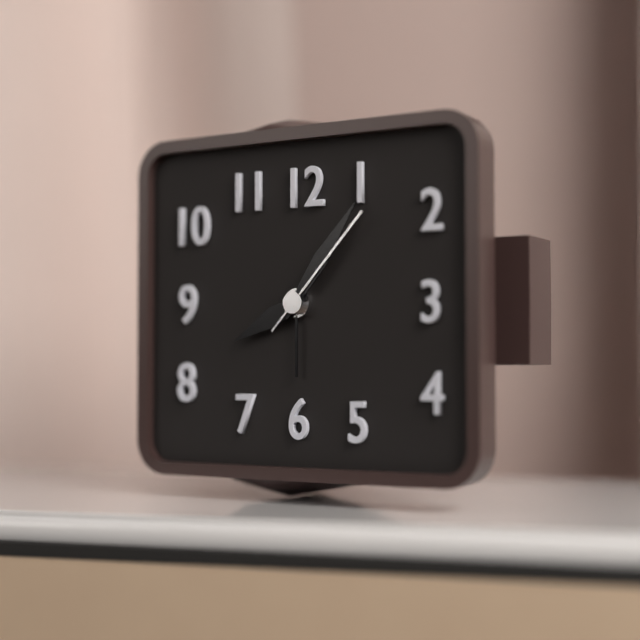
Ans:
h=8 m=6 s=7
